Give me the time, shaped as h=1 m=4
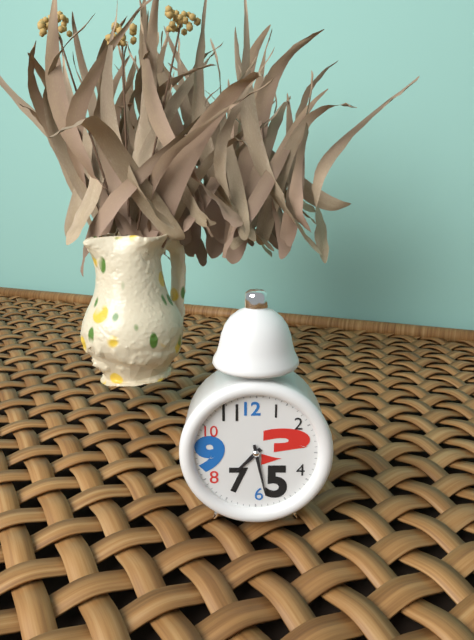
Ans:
h=7 m=28
